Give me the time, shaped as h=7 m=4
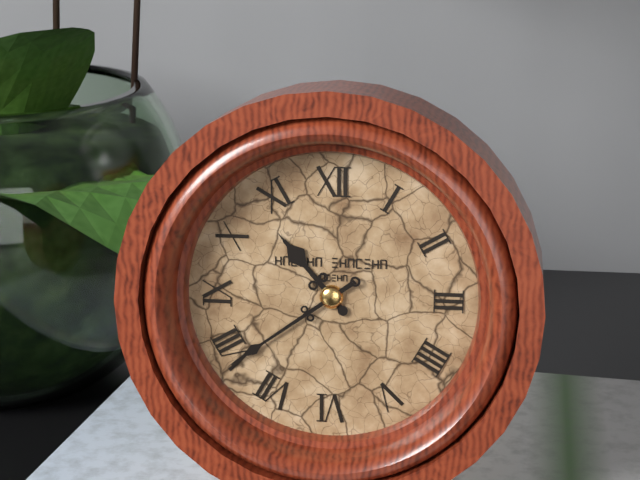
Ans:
h=10 m=39
